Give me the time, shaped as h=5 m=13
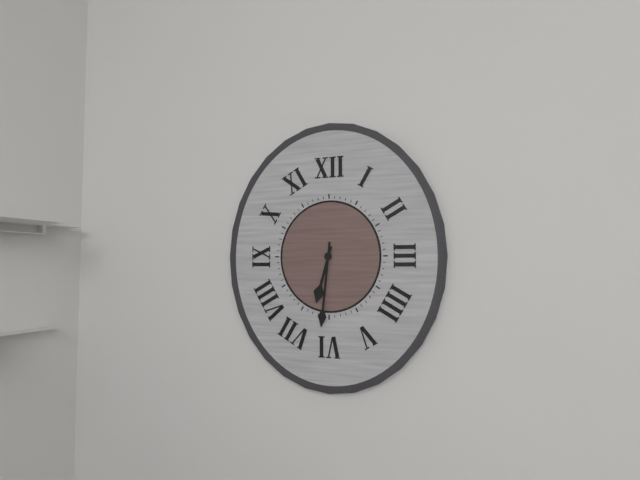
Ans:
h=6 m=31
